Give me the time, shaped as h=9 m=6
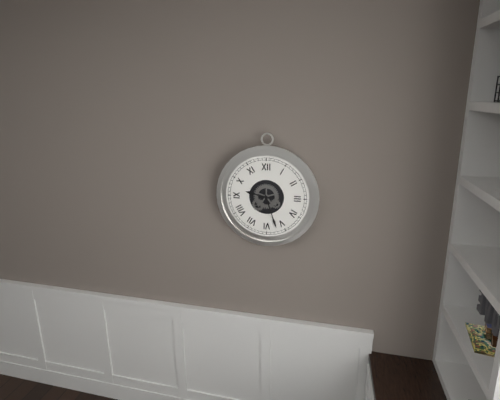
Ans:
h=9 m=27
